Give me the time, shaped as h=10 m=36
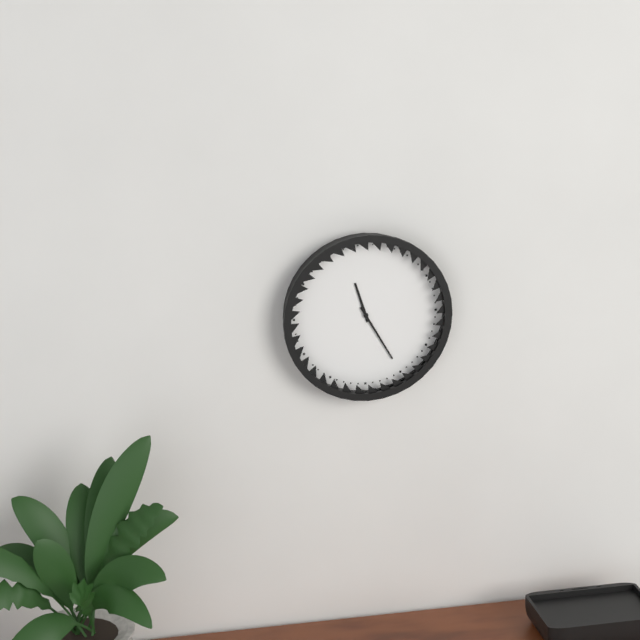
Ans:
h=11 m=25
